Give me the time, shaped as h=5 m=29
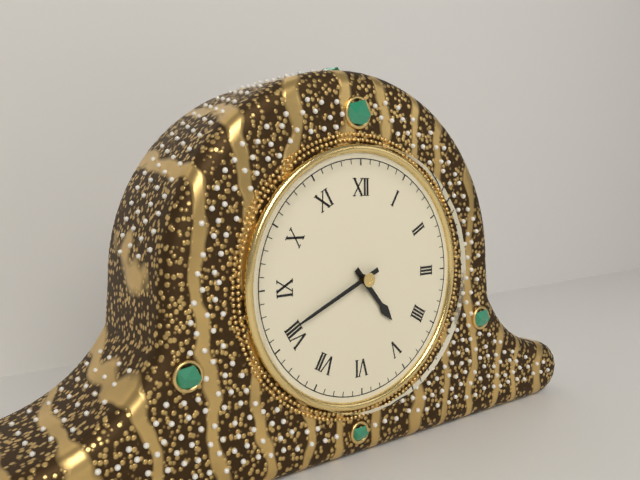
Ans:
h=4 m=41
